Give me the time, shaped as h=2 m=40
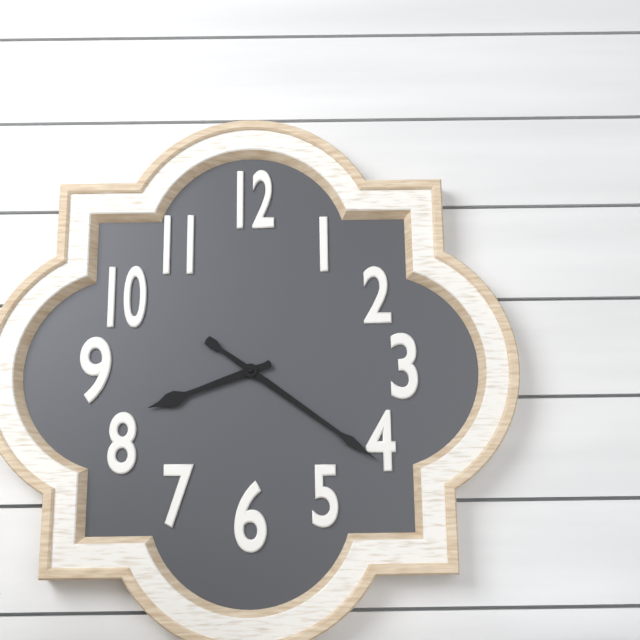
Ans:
h=8 m=21
